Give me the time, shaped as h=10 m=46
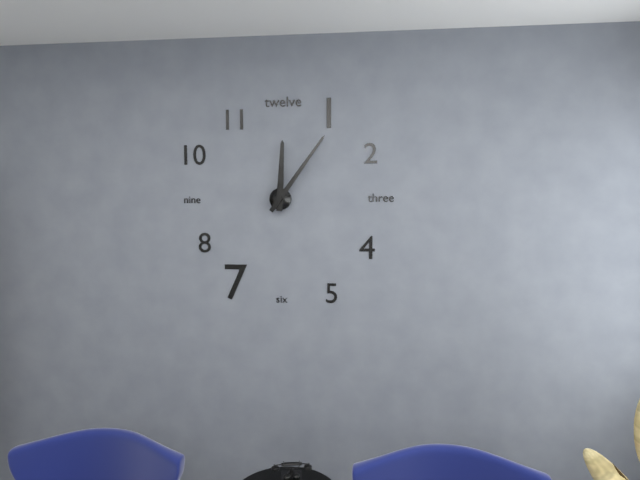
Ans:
h=12 m=6
